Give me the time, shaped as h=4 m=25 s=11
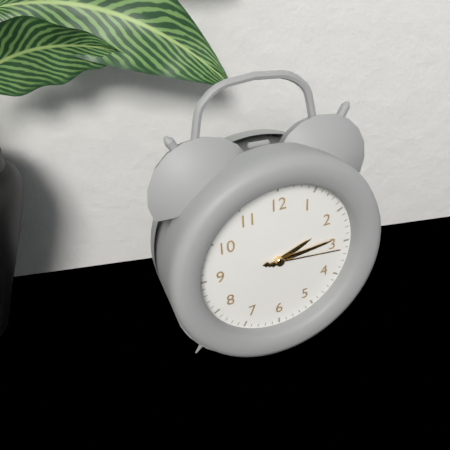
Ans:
h=2 m=14 s=16
